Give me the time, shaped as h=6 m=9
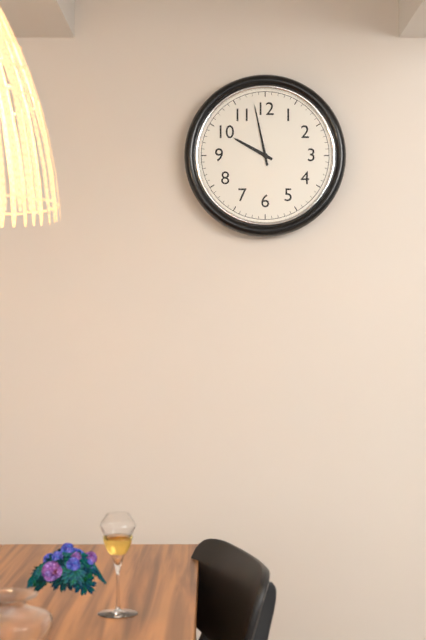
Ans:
h=9 m=58
